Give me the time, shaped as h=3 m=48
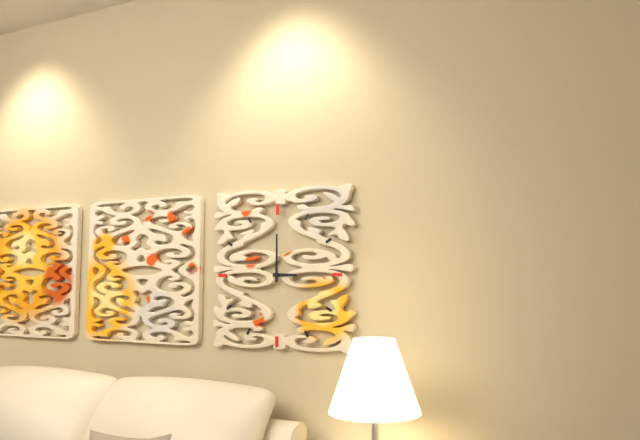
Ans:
h=3 m=0
